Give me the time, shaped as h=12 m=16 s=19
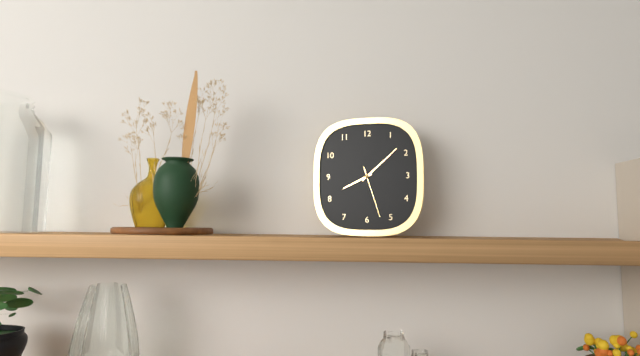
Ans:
h=8 m=8 s=27
